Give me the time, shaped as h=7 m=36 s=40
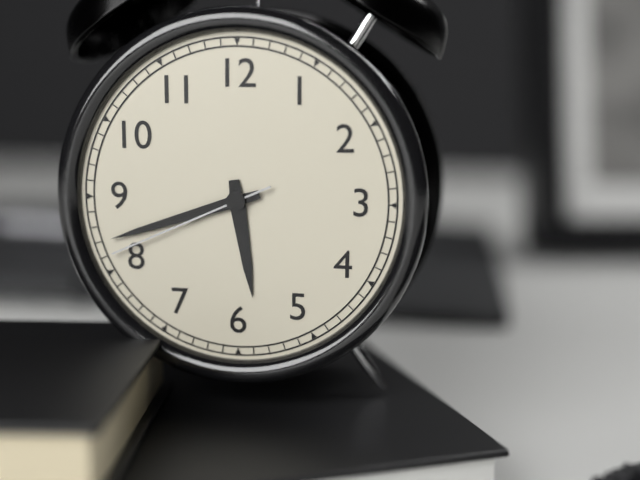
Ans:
h=5 m=42 s=41
